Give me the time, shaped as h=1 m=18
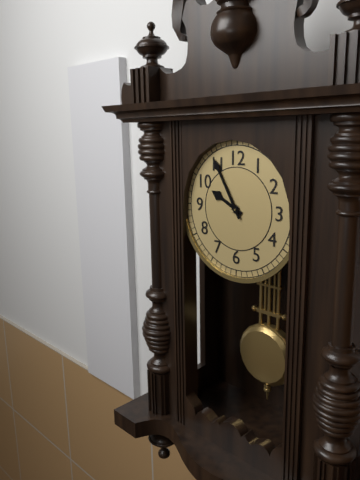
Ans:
h=9 m=55
